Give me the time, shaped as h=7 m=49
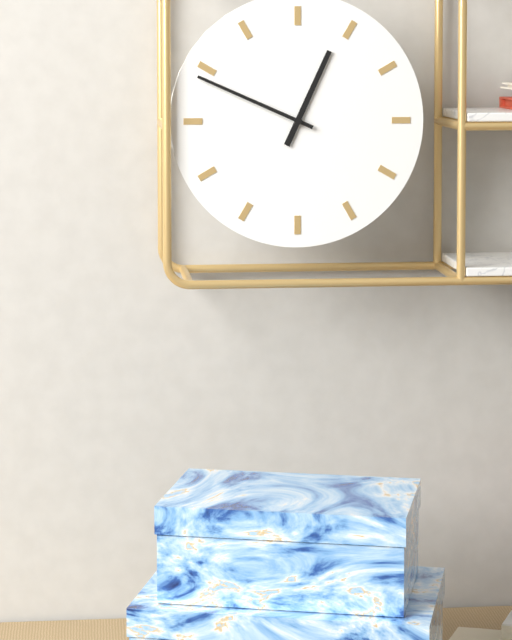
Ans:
h=12 m=49
